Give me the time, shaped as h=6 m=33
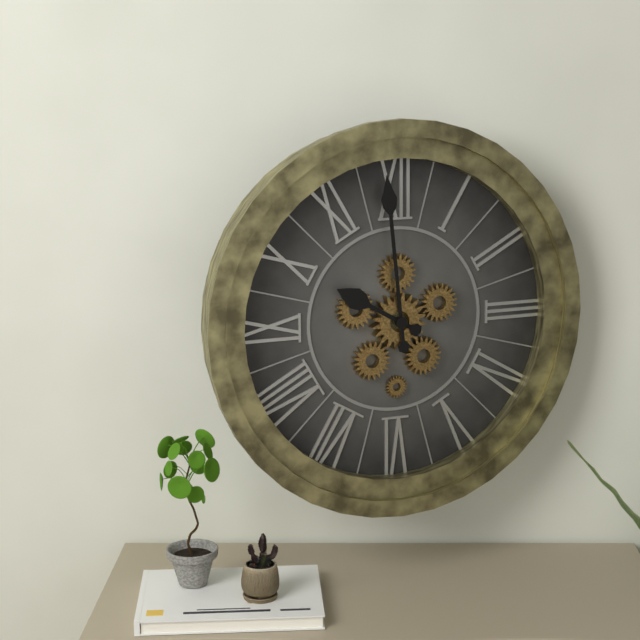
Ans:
h=9 m=59
